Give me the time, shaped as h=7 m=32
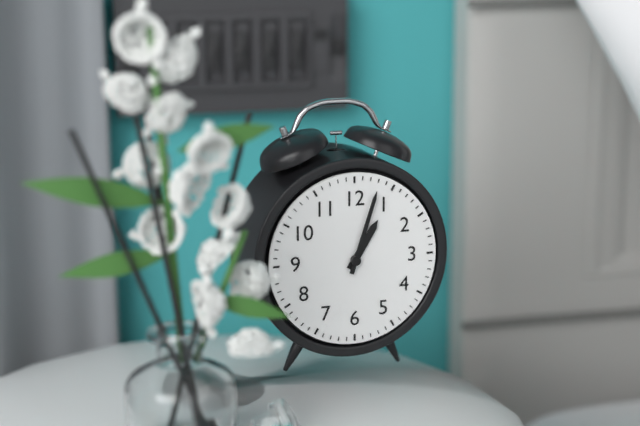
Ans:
h=1 m=3
